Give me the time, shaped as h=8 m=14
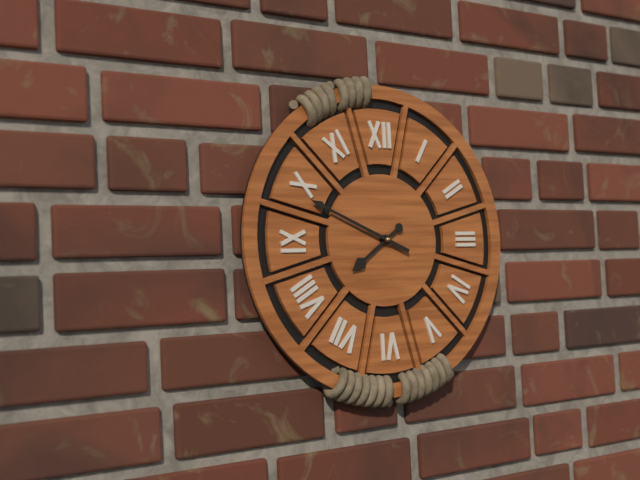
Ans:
h=7 m=49
